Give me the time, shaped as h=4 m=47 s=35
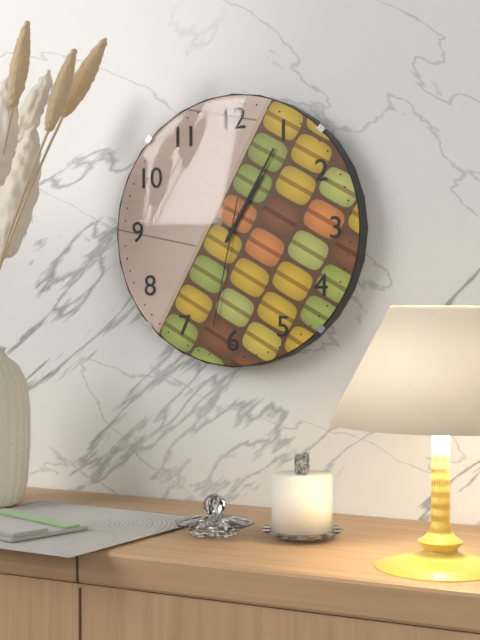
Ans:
h=1 m=5 s=32
